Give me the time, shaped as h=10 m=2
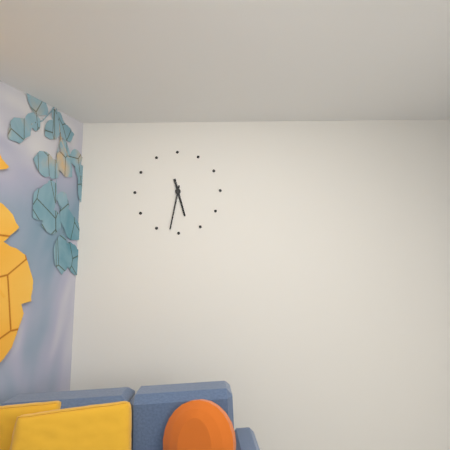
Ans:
h=5 m=32
